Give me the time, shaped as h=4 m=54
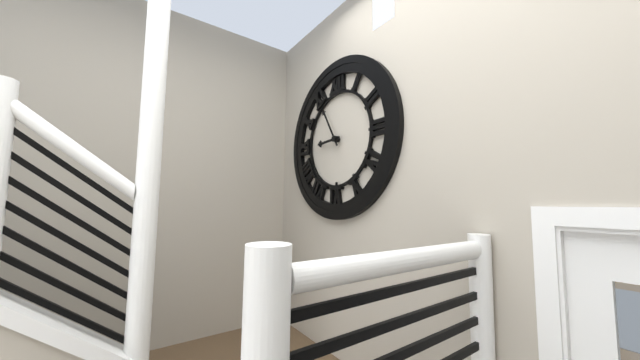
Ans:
h=8 m=55
